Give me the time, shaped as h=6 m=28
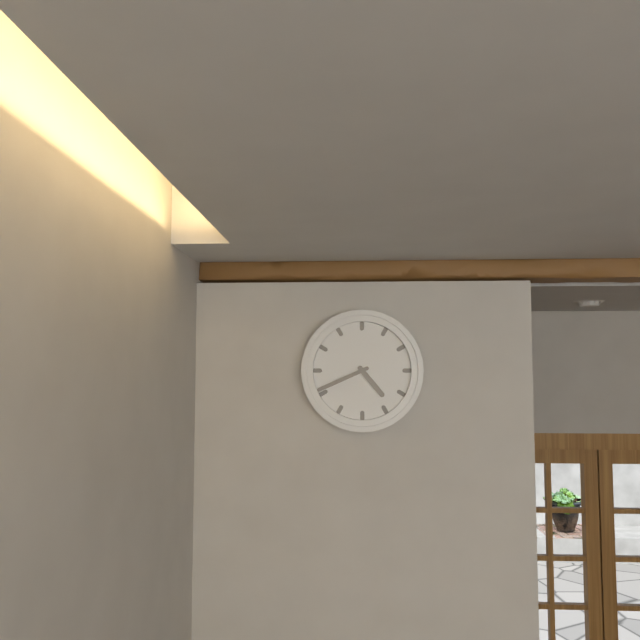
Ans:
h=4 m=41
